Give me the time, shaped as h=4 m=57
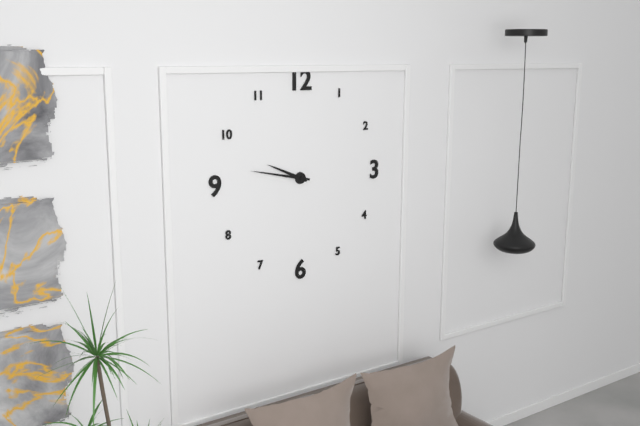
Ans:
h=9 m=47
